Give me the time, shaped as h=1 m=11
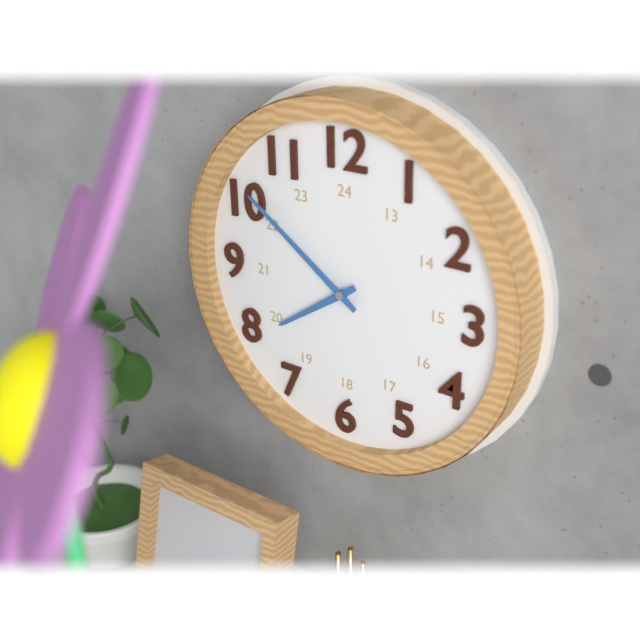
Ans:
h=7 m=51
